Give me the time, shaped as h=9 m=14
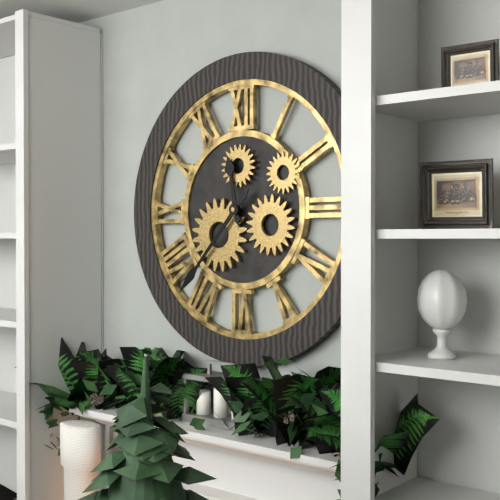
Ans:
h=11 m=37
